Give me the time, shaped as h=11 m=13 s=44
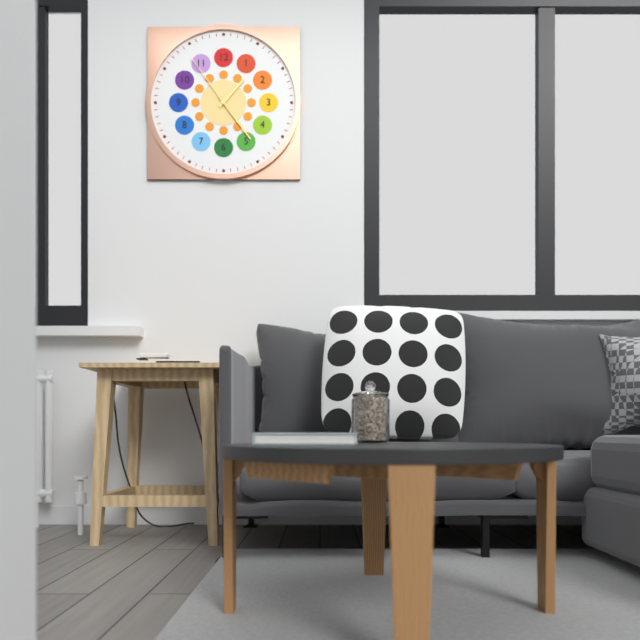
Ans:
h=1 m=24 s=54
